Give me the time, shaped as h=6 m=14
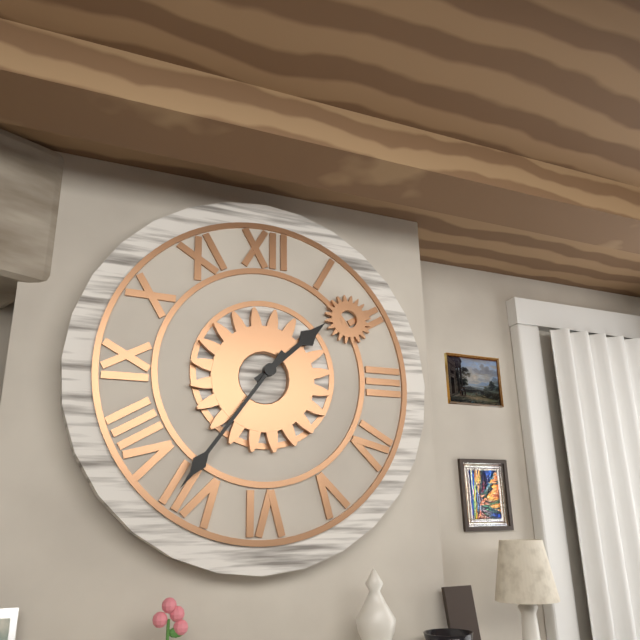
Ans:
h=1 m=36
